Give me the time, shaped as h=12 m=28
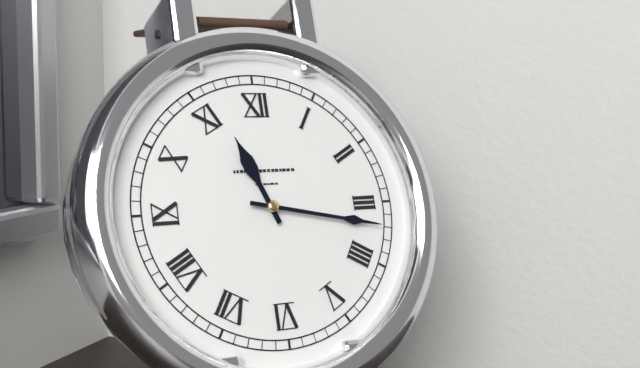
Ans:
h=11 m=17
